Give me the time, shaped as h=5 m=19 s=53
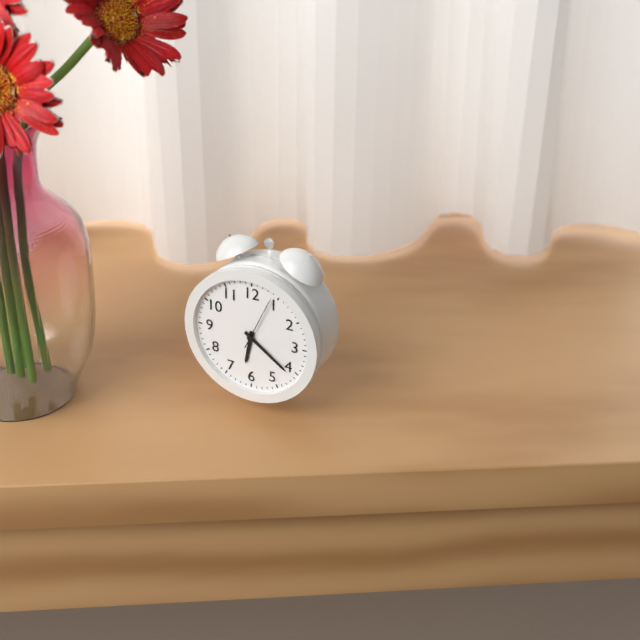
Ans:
h=6 m=21 s=4
